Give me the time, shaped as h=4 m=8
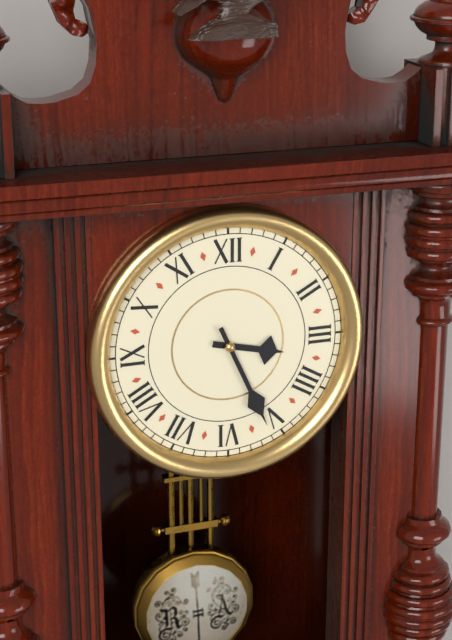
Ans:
h=3 m=26
